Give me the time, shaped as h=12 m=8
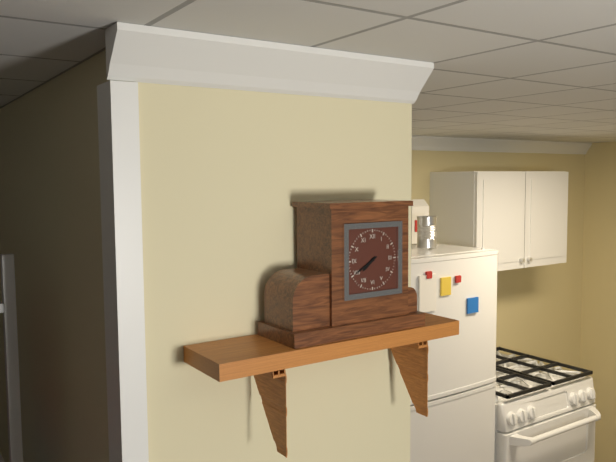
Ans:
h=7 m=40
